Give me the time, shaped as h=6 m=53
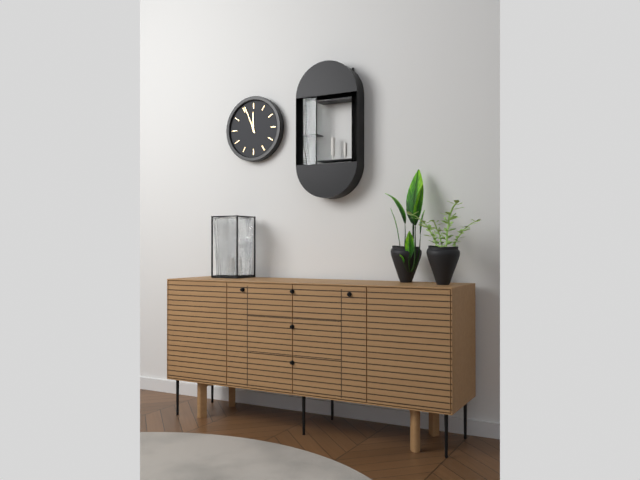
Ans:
h=11 m=56
